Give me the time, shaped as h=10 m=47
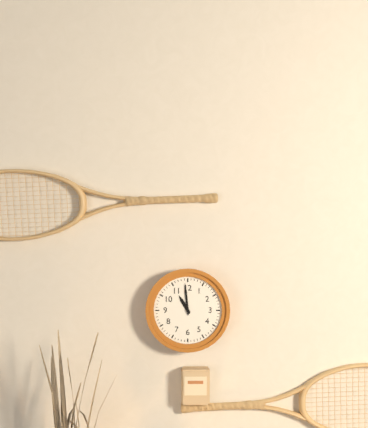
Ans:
h=10 m=59
